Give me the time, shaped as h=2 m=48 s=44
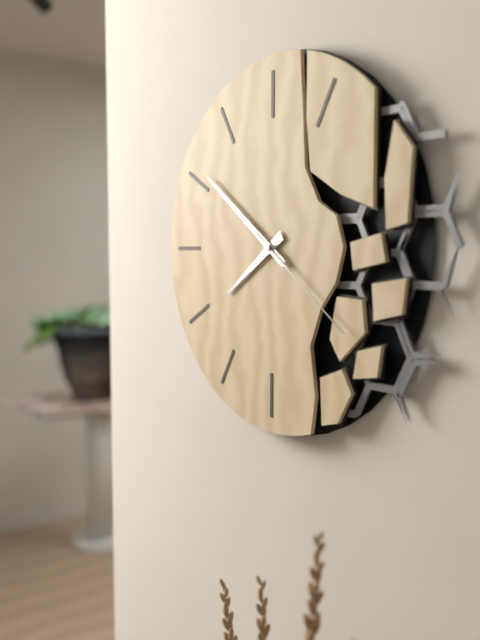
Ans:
h=7 m=51 s=21
